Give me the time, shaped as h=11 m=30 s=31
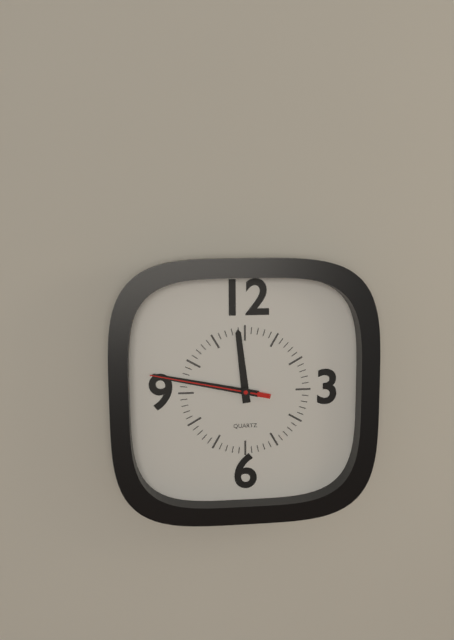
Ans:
h=11 m=47 s=47
